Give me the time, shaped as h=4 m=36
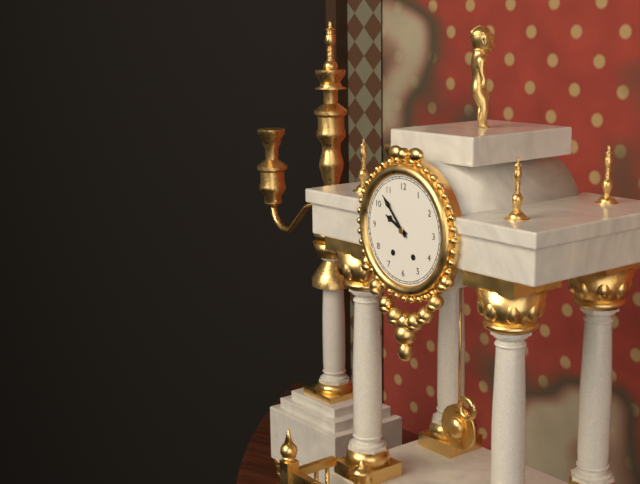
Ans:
h=9 m=53
